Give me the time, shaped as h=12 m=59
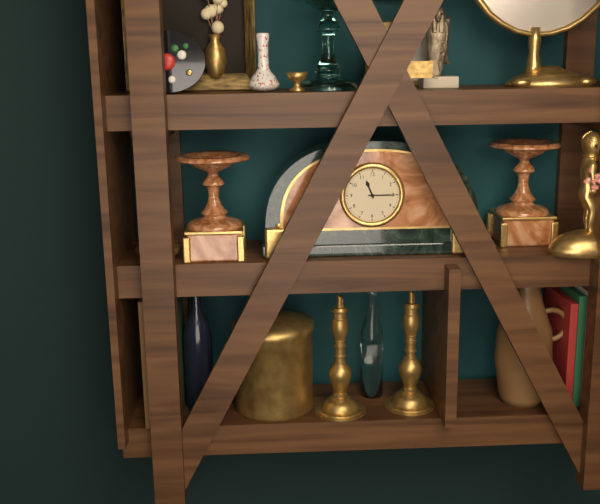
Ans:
h=11 m=15
